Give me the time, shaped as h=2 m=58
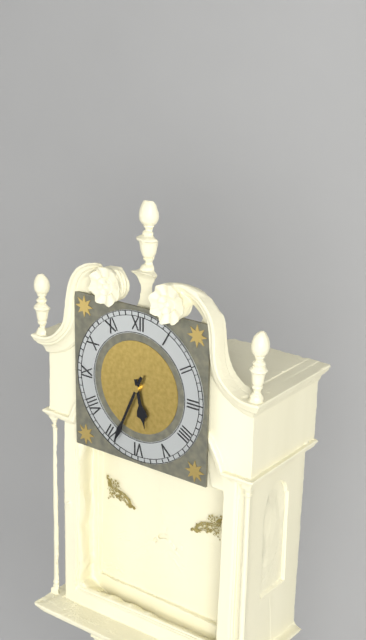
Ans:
h=5 m=34
